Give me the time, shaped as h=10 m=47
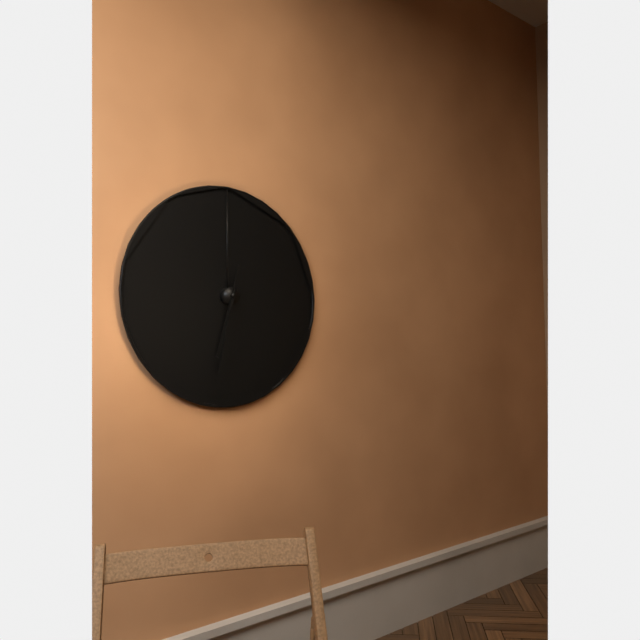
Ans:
h=6 m=32
